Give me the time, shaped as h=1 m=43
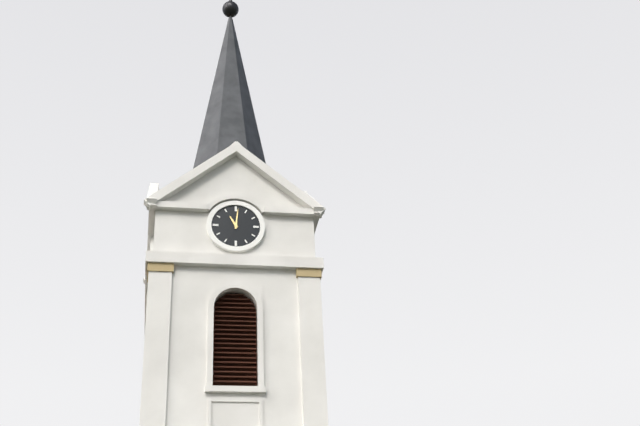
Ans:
h=11 m=1
